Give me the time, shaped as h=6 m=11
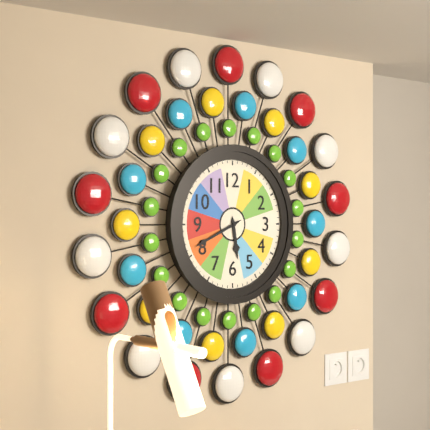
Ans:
h=5 m=41
